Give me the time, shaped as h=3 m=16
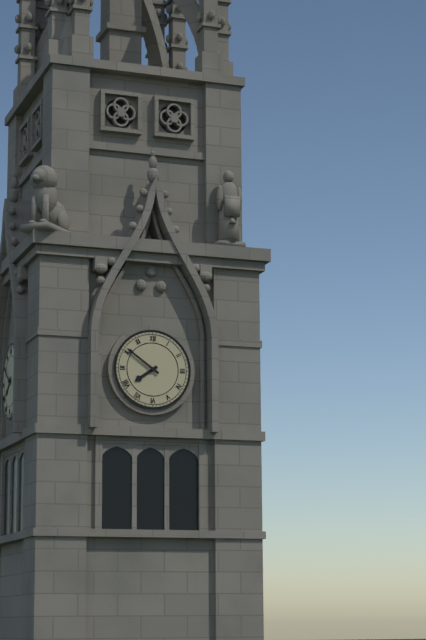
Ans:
h=7 m=51
